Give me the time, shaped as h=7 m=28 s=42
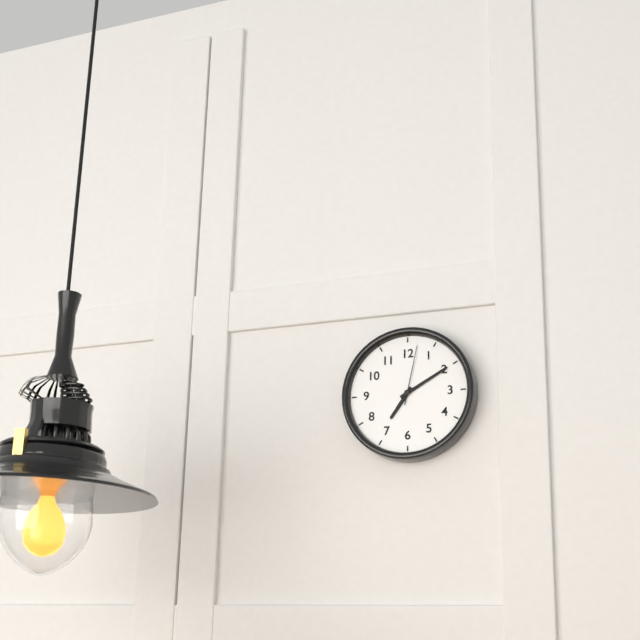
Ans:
h=7 m=10 s=2
